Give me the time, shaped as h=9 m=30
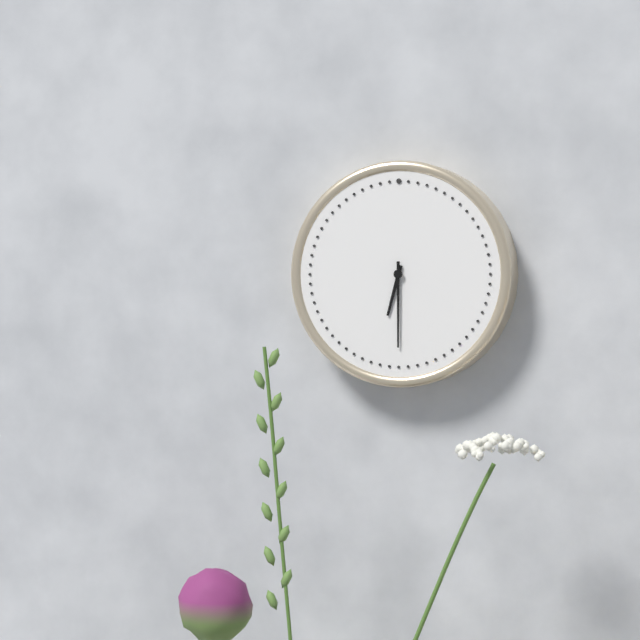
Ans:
h=6 m=30
